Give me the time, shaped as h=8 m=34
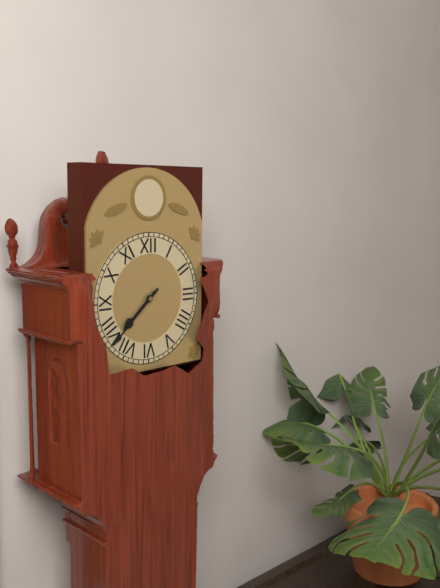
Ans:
h=7 m=38
